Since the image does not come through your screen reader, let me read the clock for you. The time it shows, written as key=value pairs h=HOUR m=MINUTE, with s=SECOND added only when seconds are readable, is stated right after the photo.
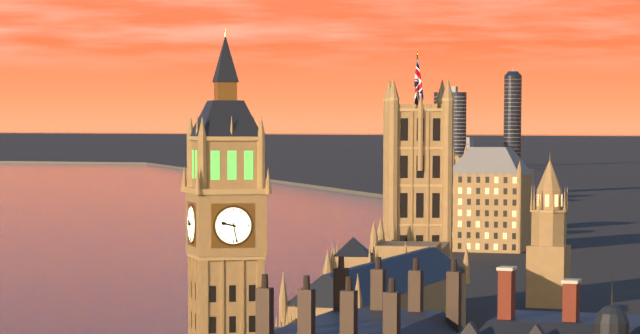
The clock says h=9 m=28
